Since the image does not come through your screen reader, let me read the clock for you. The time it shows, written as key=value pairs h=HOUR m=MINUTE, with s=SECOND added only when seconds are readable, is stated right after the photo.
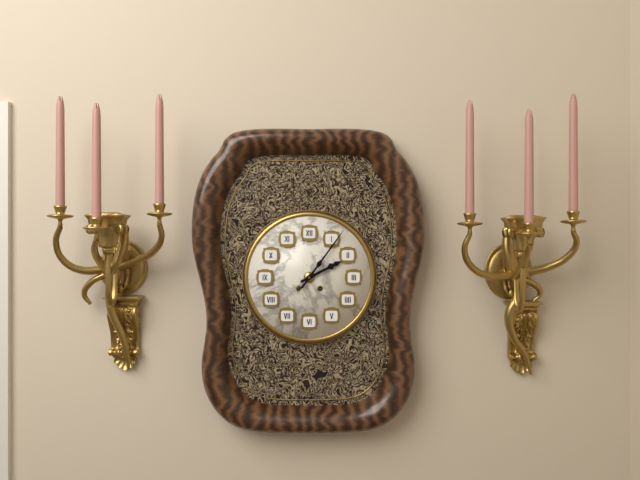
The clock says h=2 m=6
